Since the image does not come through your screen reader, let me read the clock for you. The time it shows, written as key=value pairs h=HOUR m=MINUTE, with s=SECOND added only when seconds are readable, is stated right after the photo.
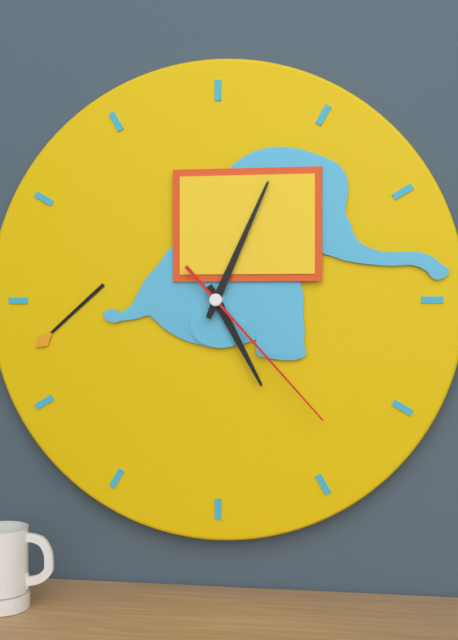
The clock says h=5 m=4 s=23
